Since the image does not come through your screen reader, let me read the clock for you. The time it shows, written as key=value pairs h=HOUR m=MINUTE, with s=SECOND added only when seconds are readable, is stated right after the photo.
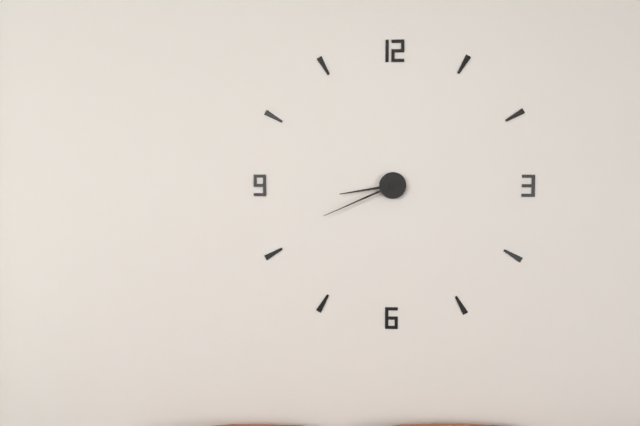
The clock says h=8 m=41
